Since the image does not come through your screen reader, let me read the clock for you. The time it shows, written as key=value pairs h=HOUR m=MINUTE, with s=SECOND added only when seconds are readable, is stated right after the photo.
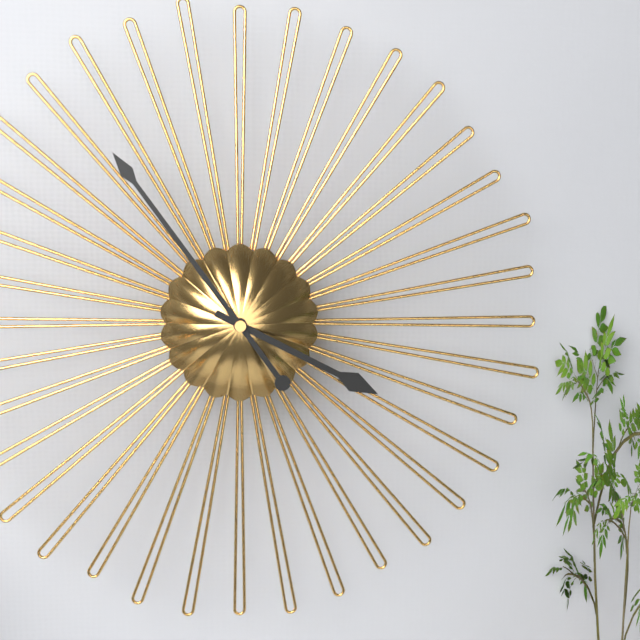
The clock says h=3 m=54
